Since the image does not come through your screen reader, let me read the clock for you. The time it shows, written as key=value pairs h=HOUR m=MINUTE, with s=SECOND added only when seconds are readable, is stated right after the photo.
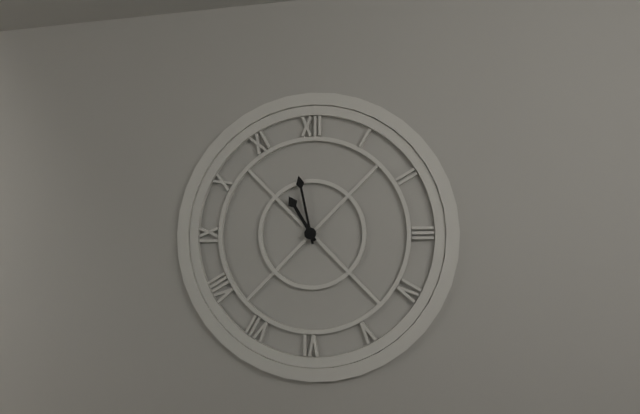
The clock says h=10 m=58
